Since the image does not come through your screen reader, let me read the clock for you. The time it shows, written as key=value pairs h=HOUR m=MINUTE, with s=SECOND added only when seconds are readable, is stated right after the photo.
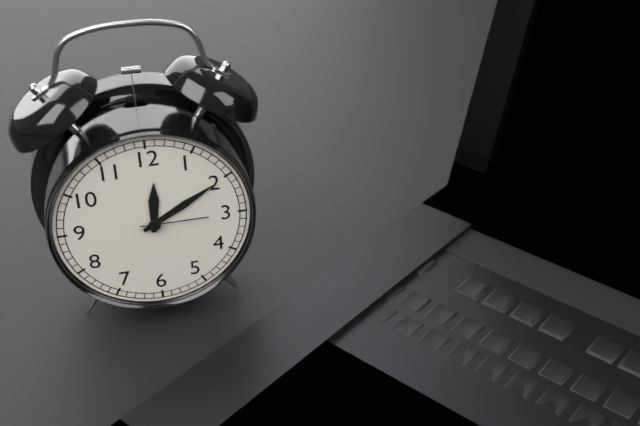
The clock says h=12 m=10 s=15
